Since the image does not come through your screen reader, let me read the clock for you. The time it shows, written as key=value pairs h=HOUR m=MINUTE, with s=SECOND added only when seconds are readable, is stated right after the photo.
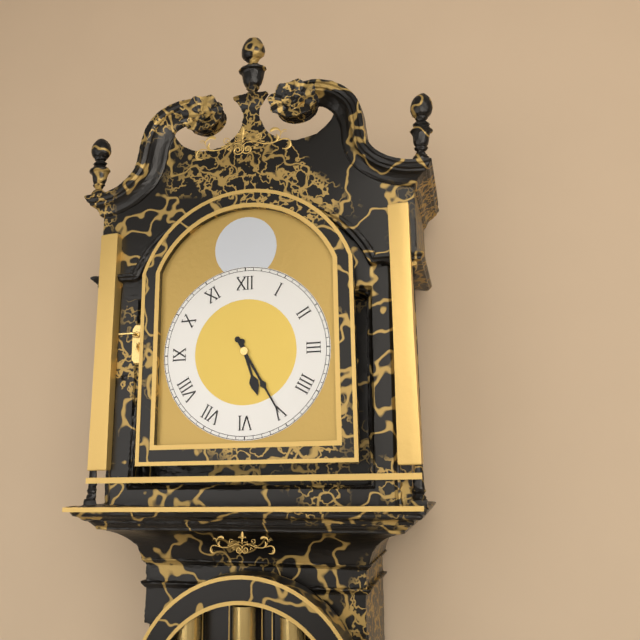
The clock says h=5 m=25
